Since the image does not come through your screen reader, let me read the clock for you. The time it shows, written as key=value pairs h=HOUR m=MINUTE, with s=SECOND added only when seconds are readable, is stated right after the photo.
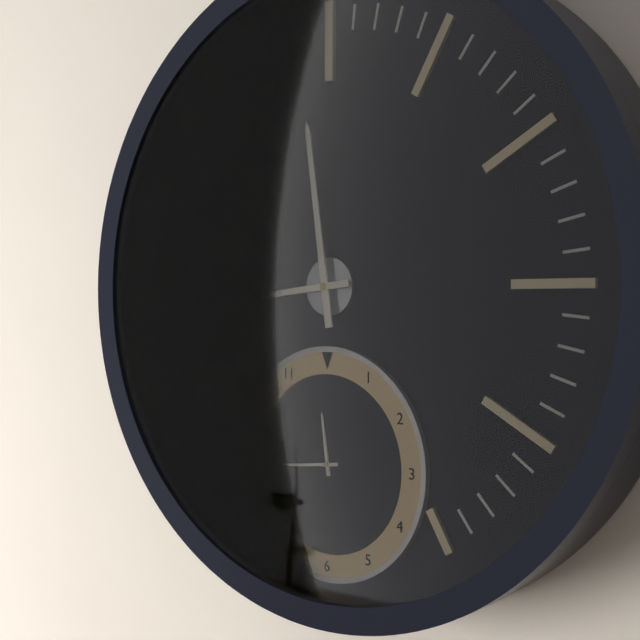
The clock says h=11 m=44
